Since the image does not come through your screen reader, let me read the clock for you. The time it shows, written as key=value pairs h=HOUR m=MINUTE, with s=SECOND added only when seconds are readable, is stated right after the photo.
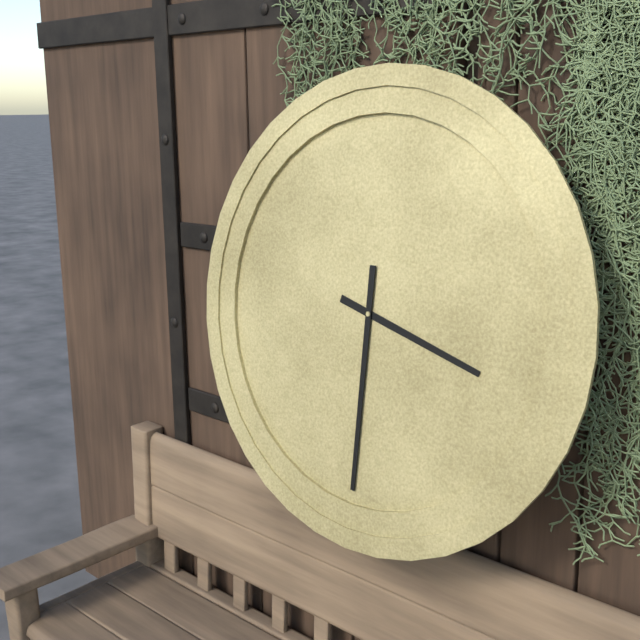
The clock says h=3 m=30
